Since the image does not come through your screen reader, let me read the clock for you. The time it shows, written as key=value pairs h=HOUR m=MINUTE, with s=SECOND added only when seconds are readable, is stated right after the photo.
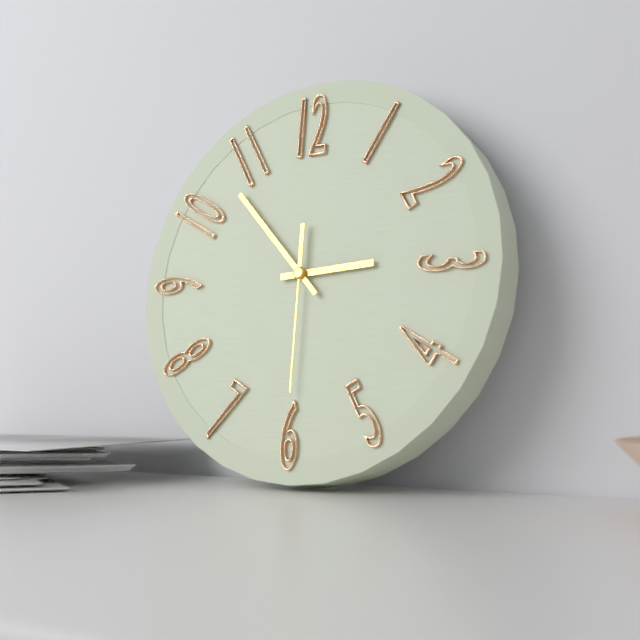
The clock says h=2 m=53 s=30
